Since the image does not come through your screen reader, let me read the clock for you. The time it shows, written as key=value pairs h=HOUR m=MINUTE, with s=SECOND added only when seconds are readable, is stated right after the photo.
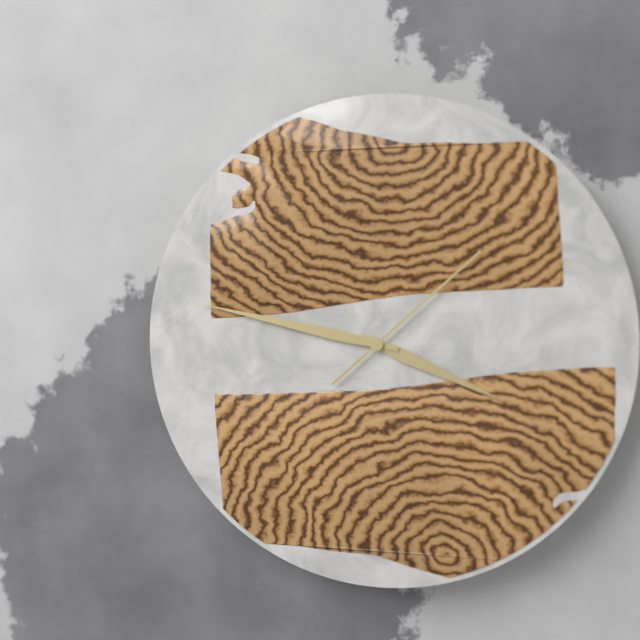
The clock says h=3 m=47 s=8
